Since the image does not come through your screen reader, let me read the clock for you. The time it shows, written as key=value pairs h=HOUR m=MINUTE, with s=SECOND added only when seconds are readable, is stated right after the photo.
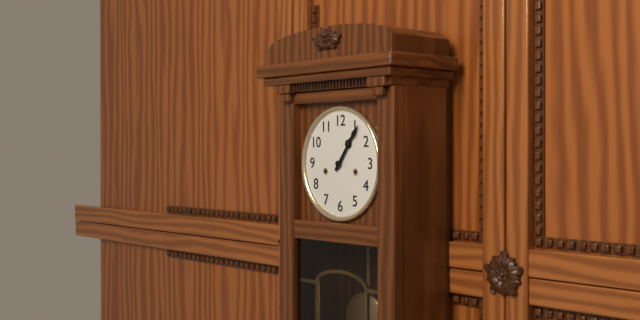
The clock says h=1 m=6
